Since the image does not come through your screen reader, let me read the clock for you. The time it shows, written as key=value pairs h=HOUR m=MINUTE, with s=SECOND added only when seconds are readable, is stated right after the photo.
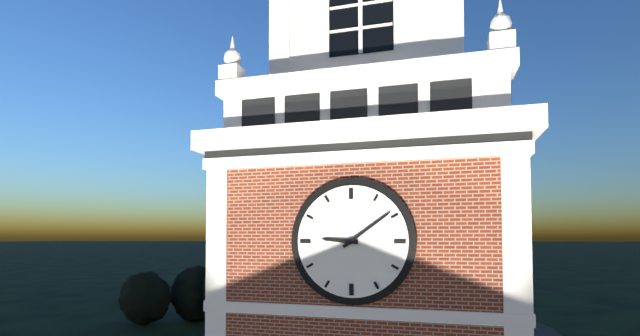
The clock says h=9 m=9
